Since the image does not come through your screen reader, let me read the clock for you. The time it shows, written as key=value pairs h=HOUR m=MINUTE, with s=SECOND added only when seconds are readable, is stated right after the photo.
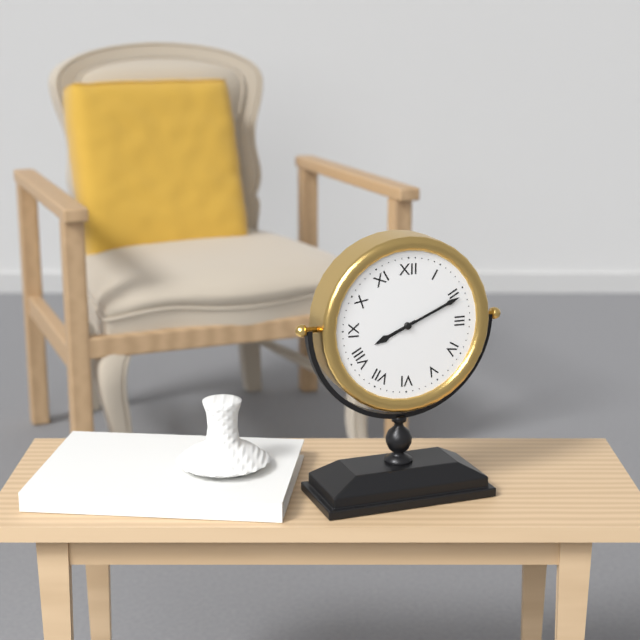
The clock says h=8 m=11
